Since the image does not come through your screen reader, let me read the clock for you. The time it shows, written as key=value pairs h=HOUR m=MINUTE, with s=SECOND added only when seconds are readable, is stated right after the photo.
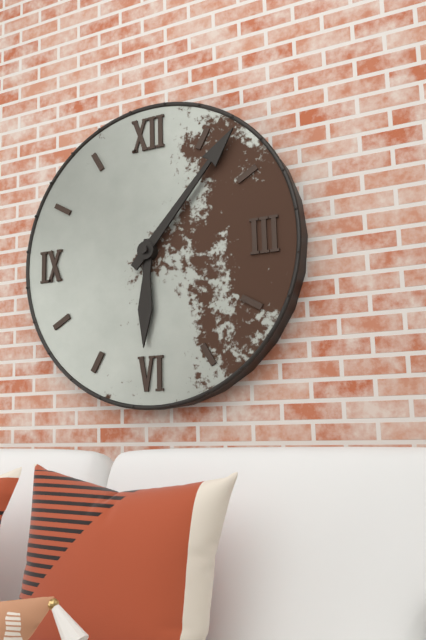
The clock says h=6 m=7
